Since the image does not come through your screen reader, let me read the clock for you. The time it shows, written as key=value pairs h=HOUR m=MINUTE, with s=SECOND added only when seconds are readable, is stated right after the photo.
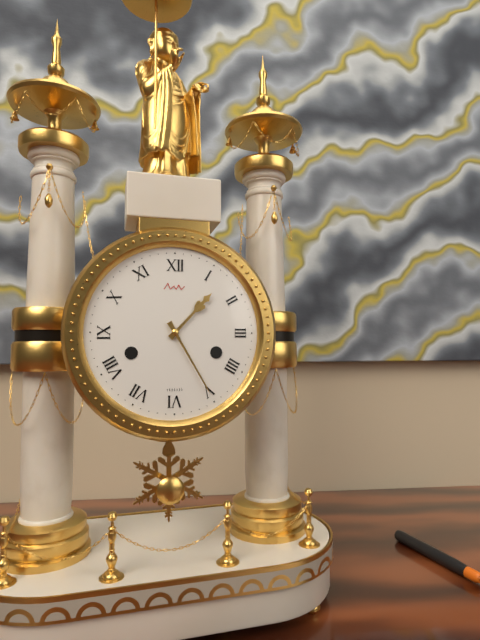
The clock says h=1 m=25
